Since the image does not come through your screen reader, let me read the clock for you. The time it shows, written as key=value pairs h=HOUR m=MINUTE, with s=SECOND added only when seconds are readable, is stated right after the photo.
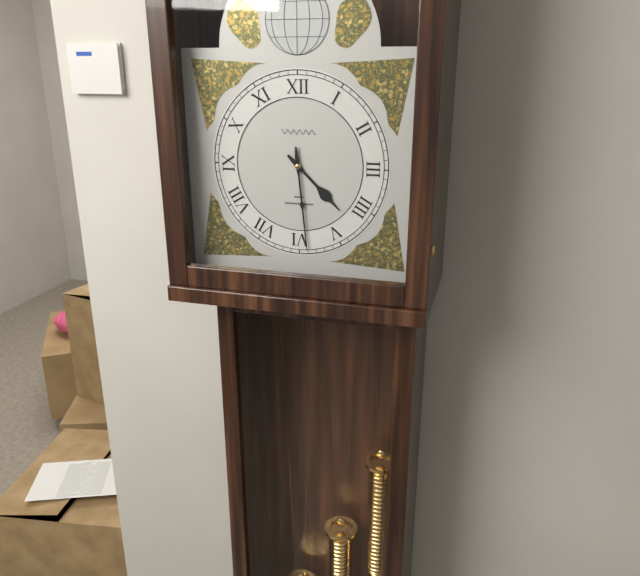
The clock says h=4 m=29
